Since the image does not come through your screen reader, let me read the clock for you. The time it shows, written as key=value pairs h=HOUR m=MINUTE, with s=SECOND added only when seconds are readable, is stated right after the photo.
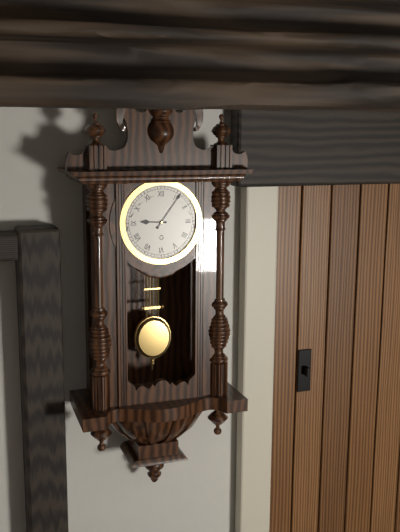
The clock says h=9 m=6
